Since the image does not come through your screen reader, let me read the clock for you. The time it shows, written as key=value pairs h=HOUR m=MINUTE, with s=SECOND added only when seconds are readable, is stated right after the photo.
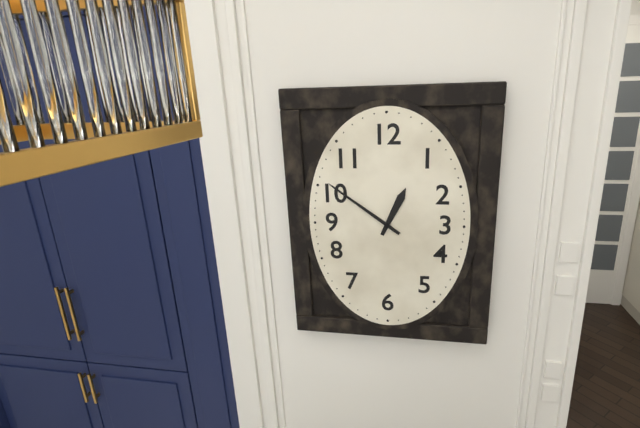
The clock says h=12 m=51
